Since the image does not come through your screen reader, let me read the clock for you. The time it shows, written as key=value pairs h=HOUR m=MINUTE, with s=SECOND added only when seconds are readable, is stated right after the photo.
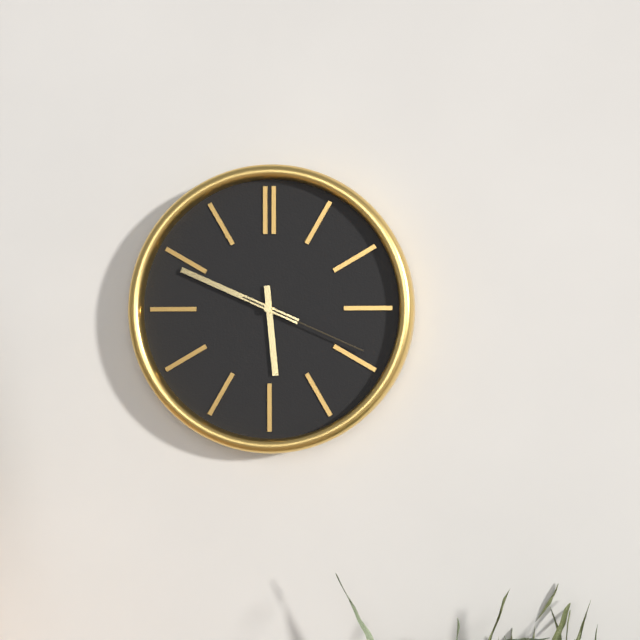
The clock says h=5 m=49 s=19
